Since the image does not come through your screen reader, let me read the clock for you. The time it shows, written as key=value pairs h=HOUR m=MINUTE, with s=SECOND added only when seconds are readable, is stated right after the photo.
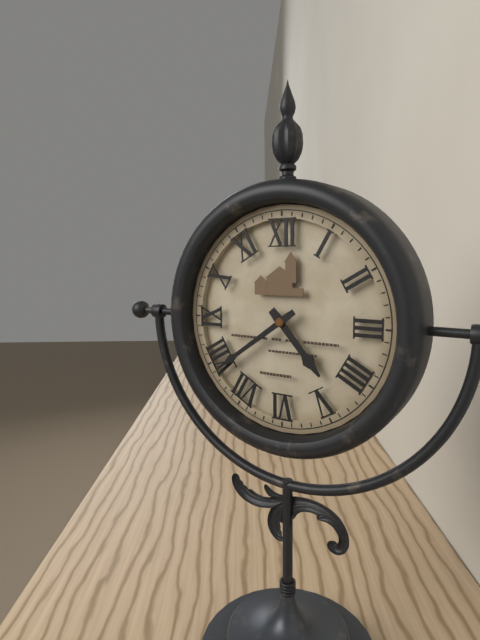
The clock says h=4 m=39
